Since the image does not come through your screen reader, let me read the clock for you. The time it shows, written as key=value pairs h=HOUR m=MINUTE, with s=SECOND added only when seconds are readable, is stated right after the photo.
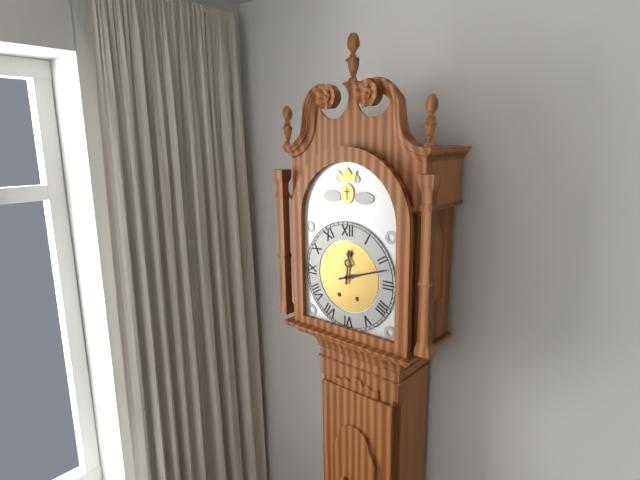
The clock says h=12 m=12
